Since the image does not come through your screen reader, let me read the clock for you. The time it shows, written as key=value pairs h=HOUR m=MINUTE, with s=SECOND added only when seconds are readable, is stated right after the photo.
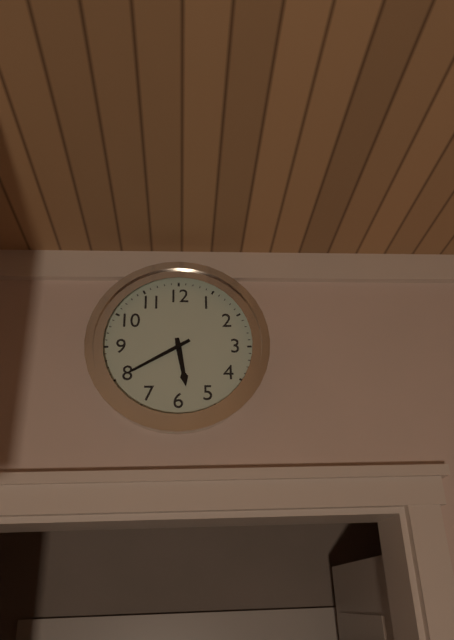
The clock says h=5 m=40
